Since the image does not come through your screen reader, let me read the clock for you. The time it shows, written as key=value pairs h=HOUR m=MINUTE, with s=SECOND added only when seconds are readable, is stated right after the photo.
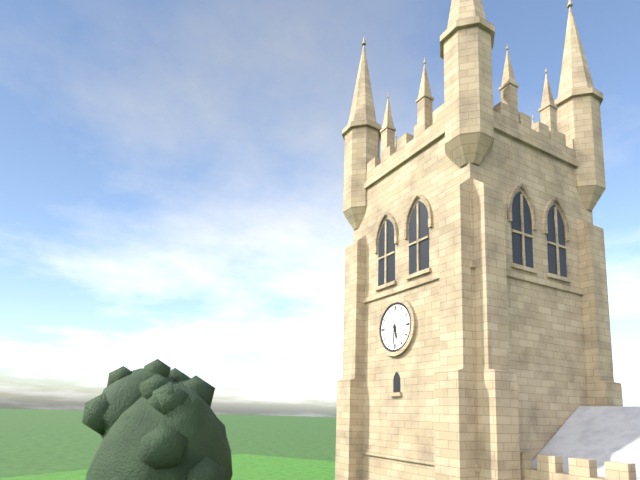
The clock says h=5 m=31
